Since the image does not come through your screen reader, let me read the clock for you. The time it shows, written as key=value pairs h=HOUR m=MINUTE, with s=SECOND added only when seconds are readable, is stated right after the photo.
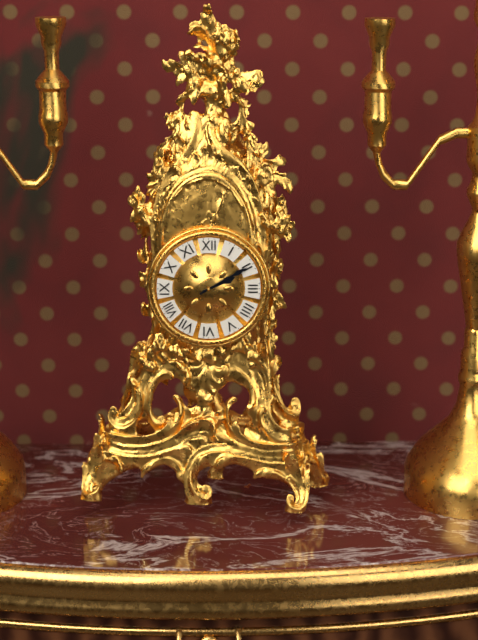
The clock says h=2 m=10
